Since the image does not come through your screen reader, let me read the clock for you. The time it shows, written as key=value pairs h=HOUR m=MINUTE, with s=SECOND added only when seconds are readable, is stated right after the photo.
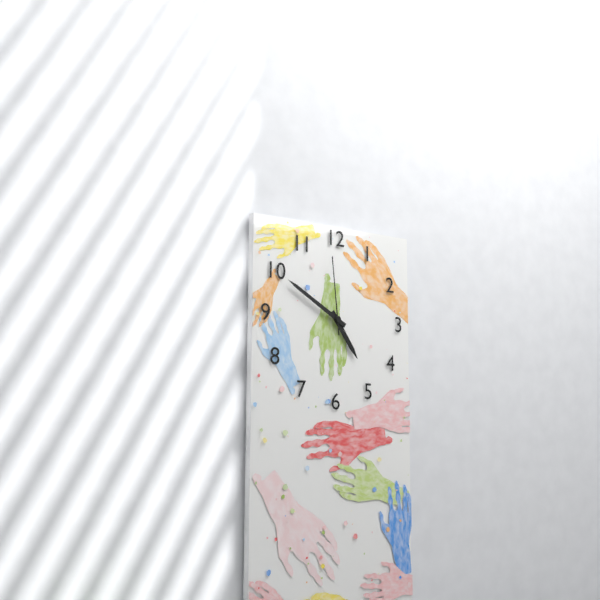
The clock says h=4 m=50 s=59
